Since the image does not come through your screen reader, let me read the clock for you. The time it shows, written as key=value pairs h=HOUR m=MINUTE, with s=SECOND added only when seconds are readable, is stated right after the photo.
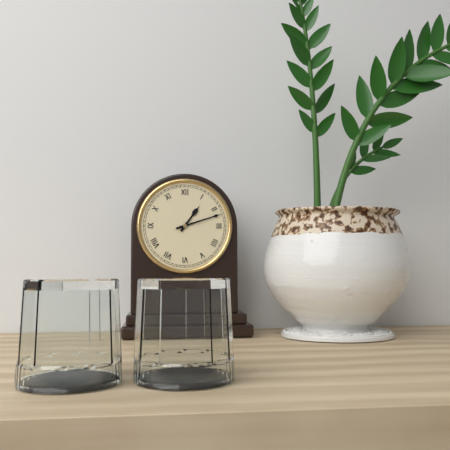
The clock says h=1 m=12
